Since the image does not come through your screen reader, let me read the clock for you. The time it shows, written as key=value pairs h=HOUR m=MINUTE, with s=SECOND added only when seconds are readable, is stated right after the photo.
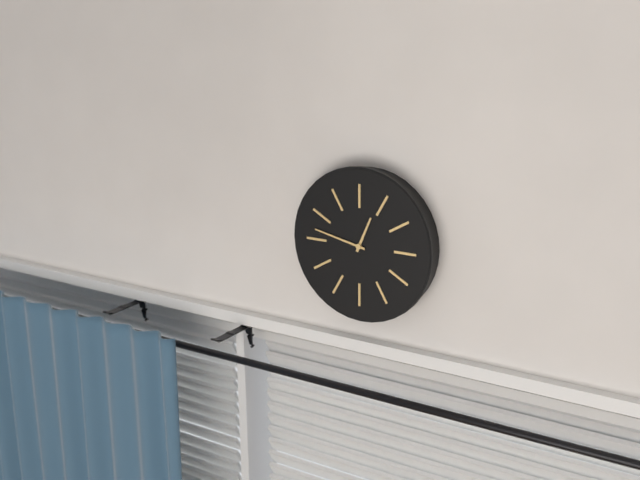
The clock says h=12 m=47
